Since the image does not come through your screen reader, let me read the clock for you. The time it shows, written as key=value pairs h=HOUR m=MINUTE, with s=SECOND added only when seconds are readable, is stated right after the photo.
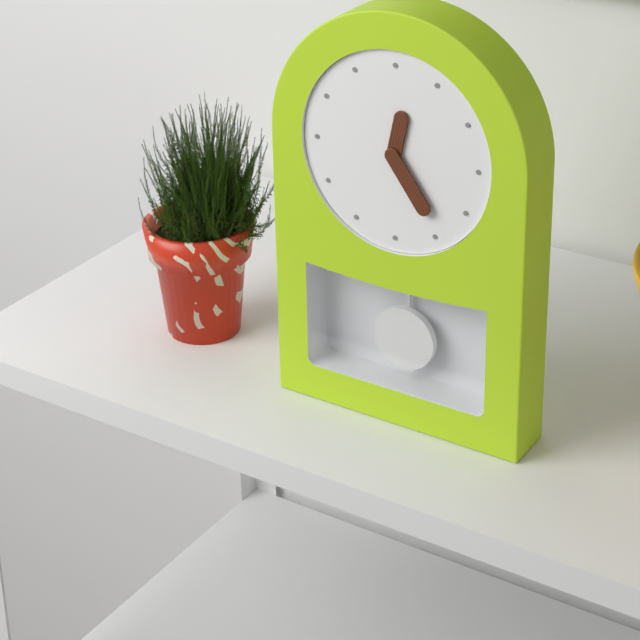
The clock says h=12 m=24
